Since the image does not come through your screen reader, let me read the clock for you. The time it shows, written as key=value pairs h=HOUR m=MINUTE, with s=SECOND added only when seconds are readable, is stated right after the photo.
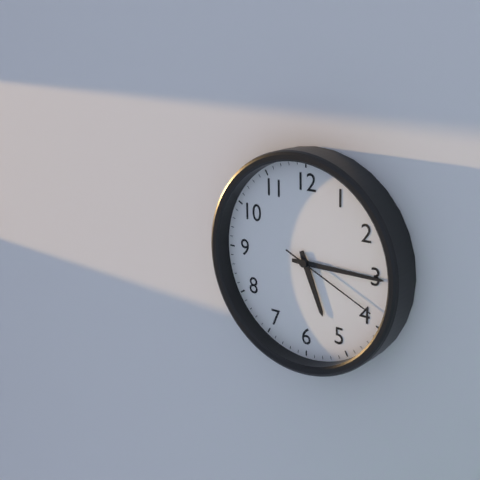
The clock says h=5 m=15 s=19
